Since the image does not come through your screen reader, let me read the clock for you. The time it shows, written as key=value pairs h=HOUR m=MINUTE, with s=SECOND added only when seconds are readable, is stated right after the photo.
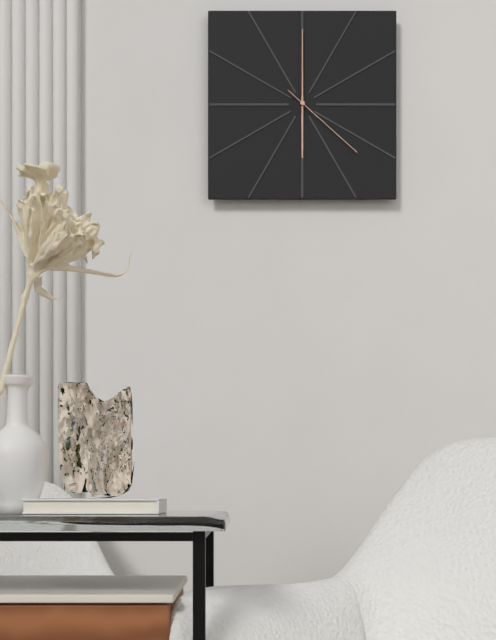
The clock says h=6 m=0 s=22
